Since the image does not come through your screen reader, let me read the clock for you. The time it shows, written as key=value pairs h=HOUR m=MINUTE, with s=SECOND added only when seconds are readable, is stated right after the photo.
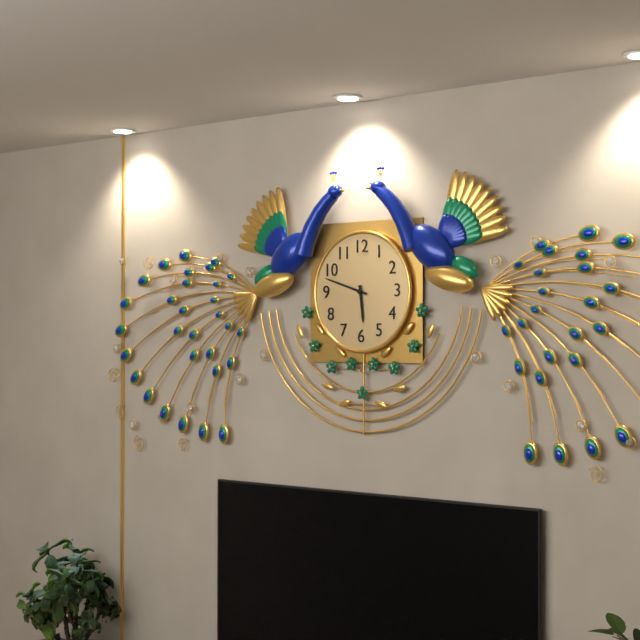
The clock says h=5 m=48
